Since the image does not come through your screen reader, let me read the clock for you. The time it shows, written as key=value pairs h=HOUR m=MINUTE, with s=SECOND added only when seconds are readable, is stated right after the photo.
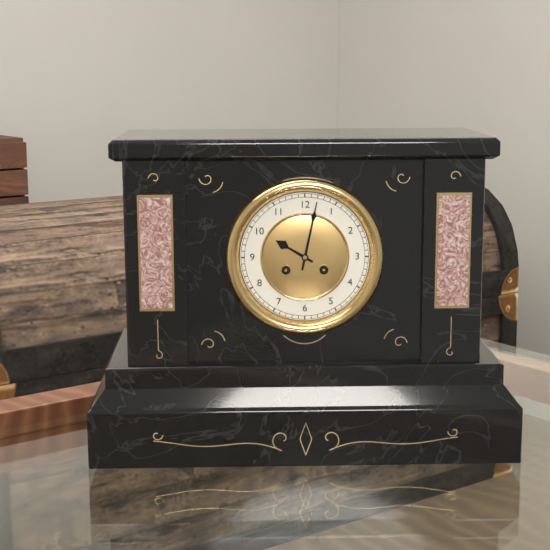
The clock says h=10 m=2
